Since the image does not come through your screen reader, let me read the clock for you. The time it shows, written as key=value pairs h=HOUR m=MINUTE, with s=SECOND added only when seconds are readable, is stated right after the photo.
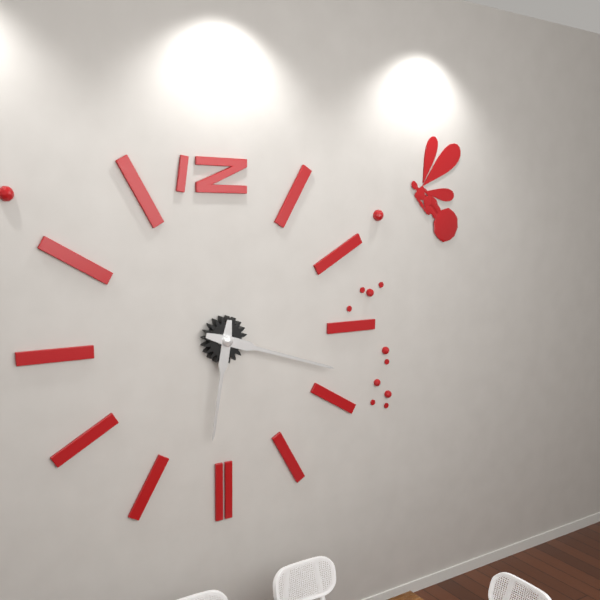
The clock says h=6 m=18
